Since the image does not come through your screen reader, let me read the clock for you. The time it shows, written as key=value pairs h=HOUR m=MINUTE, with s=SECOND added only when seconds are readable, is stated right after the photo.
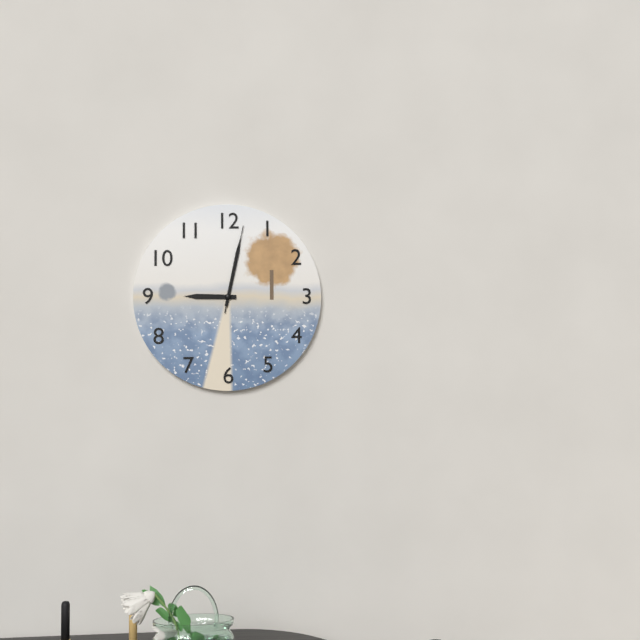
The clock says h=9 m=2 s=2
